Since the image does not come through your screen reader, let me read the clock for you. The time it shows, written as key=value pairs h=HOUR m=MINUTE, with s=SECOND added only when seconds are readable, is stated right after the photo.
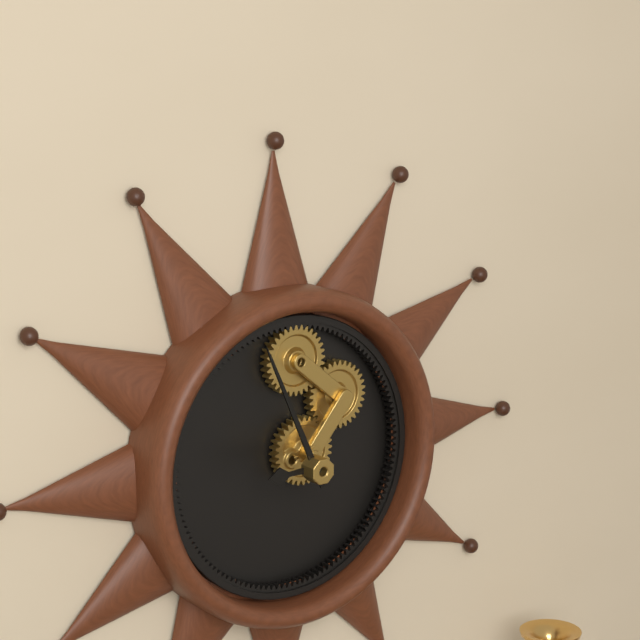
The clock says h=8 m=56
